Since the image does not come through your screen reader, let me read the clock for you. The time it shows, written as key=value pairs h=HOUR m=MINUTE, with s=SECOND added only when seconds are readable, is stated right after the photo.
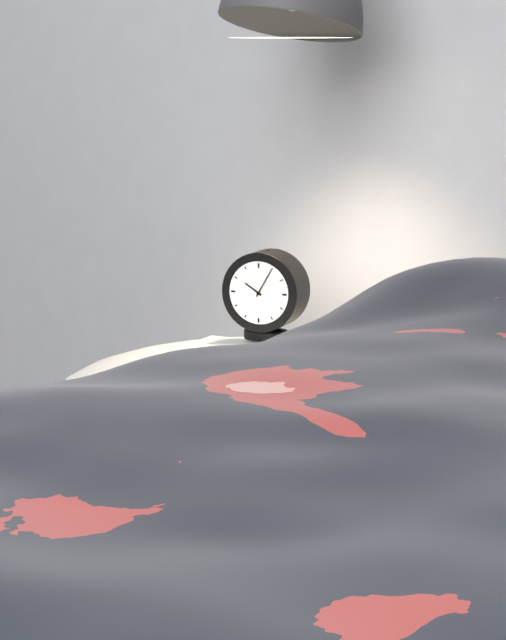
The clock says h=10 m=5
